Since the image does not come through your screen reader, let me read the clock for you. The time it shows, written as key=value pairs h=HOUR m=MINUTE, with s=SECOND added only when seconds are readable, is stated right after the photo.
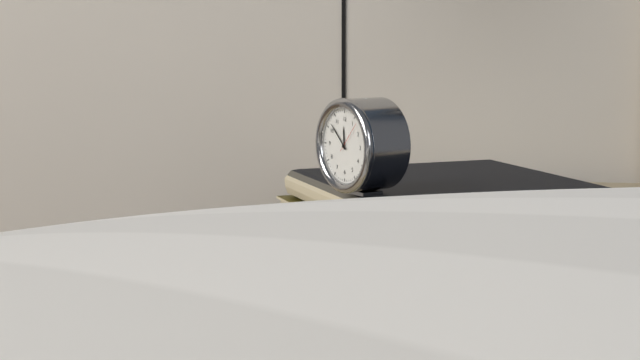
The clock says h=11 m=52
